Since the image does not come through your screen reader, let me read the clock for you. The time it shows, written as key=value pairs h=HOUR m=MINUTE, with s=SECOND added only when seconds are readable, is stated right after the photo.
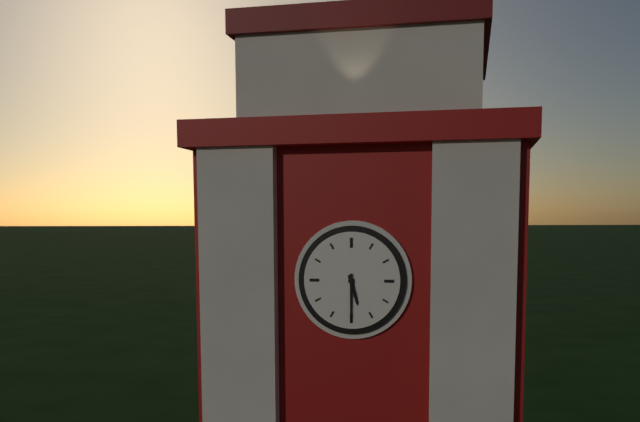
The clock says h=5 m=30
